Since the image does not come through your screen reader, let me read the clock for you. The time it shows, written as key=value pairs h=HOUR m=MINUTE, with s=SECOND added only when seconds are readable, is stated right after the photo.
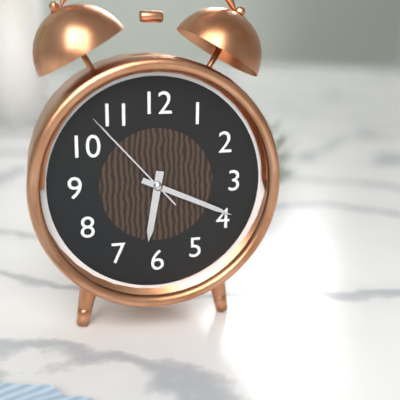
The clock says h=6 m=19 s=53
